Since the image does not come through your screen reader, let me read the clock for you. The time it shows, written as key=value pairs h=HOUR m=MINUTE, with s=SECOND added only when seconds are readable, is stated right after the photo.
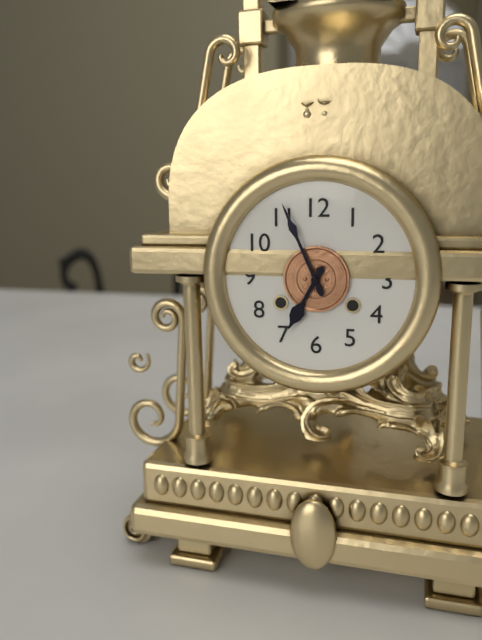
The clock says h=6 m=56
